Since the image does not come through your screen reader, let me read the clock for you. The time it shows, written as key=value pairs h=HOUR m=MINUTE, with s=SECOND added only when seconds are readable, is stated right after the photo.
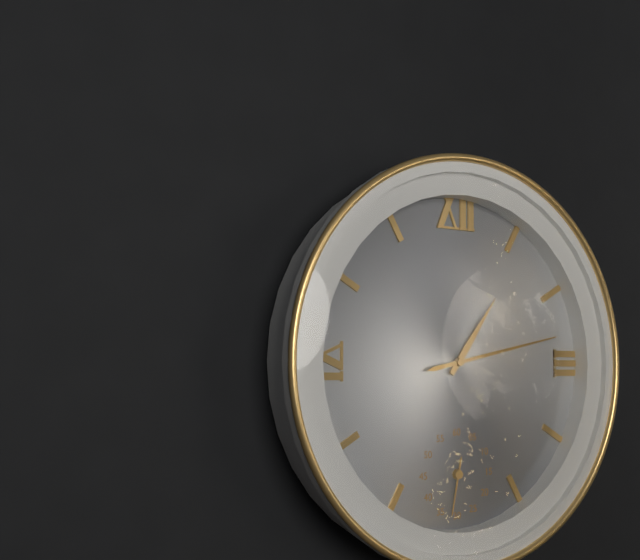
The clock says h=1 m=13 s=32
